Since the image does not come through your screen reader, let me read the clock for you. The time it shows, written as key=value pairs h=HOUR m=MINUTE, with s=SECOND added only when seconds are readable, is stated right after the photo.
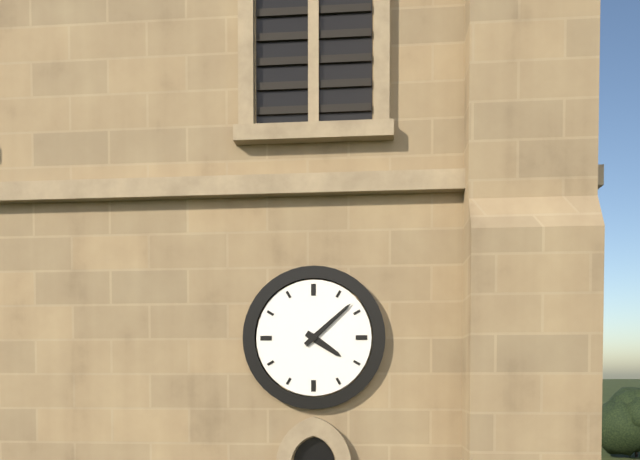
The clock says h=4 m=8
